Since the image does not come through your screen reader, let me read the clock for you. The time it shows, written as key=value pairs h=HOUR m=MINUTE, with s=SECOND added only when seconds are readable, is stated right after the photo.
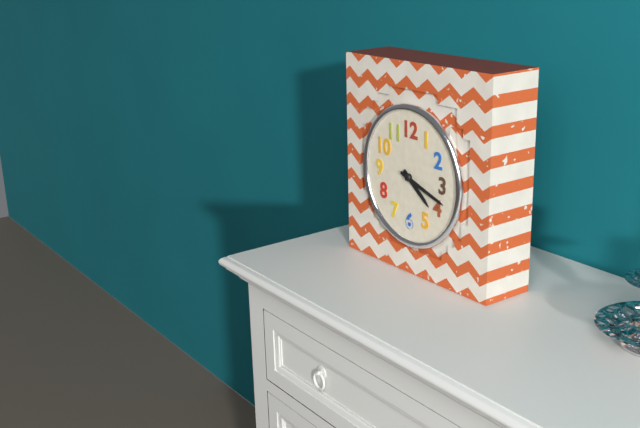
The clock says h=4 m=18
